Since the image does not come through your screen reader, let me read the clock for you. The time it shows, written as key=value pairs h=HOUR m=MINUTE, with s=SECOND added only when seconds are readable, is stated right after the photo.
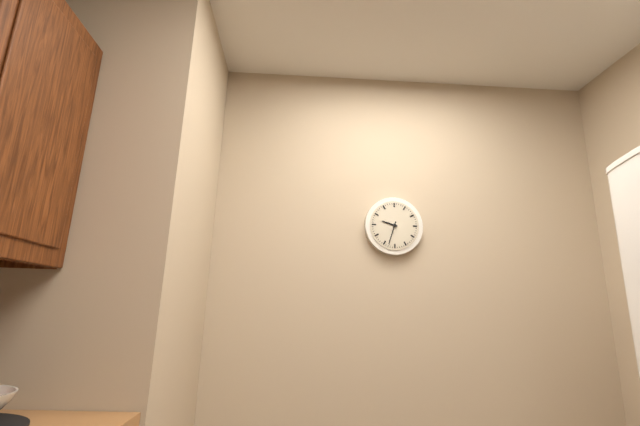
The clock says h=9 m=33
